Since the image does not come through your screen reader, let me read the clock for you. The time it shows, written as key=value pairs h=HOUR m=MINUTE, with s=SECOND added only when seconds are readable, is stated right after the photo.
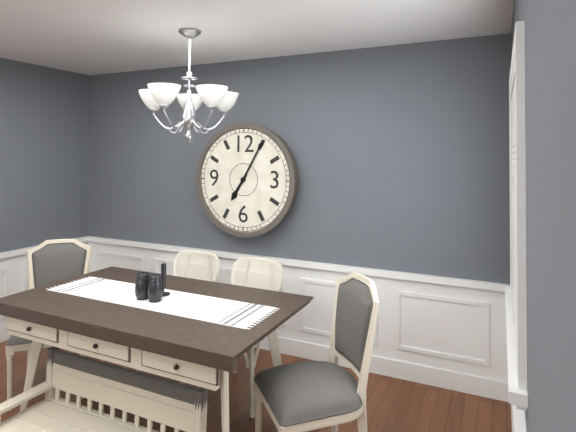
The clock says h=7 m=5
